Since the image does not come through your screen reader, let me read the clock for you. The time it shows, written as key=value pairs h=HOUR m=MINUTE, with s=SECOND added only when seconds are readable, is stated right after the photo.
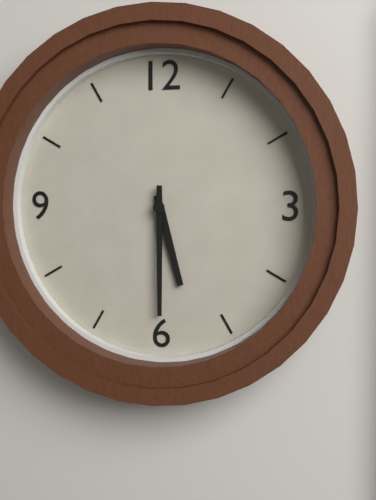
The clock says h=5 m=30
